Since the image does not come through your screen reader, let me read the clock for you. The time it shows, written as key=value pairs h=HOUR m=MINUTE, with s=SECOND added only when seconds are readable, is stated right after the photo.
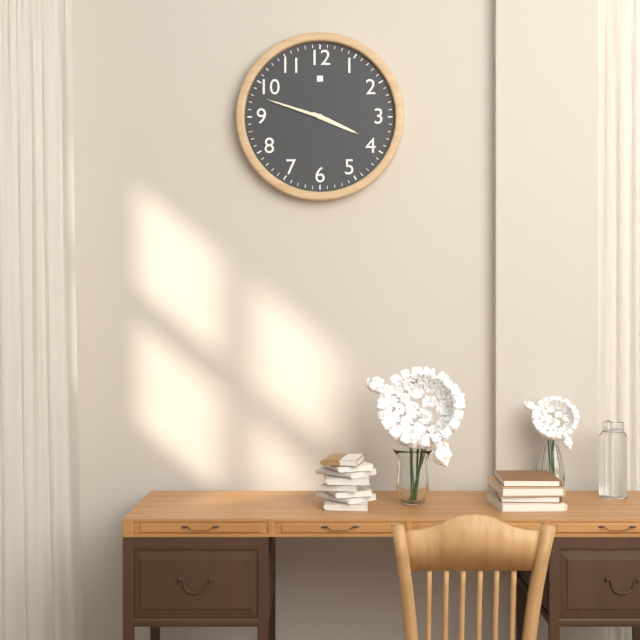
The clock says h=3 m=48
